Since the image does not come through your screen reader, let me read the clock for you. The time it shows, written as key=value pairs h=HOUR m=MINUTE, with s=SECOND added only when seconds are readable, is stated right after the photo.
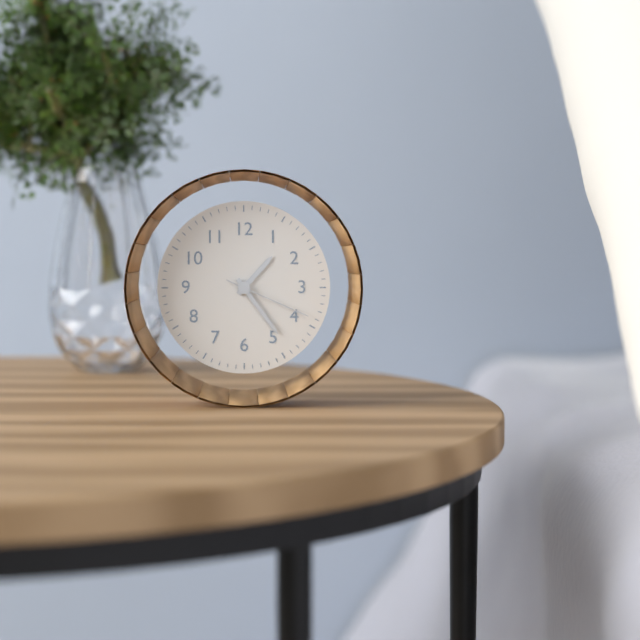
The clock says h=1 m=24 s=19
